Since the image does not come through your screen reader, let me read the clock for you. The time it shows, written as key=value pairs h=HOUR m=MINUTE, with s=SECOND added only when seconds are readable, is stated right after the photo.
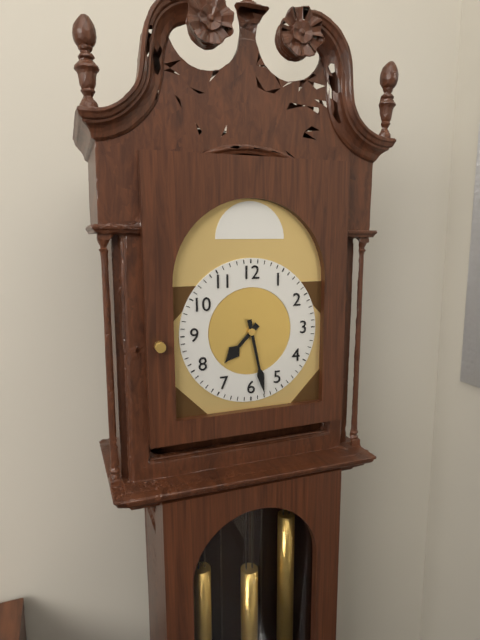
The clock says h=7 m=28
